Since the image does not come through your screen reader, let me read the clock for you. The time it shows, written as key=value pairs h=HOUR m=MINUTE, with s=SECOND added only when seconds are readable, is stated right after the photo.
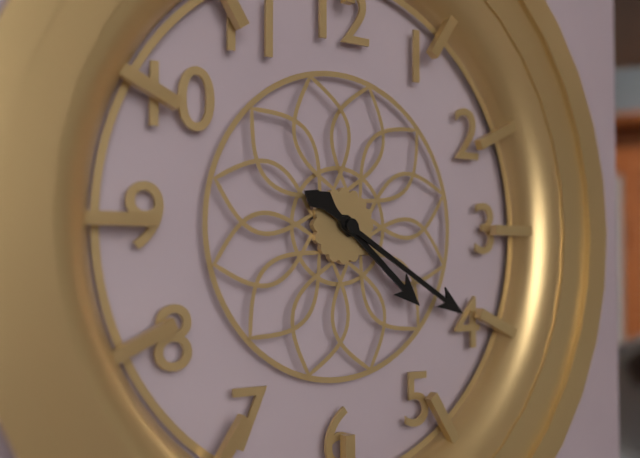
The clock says h=4 m=20
